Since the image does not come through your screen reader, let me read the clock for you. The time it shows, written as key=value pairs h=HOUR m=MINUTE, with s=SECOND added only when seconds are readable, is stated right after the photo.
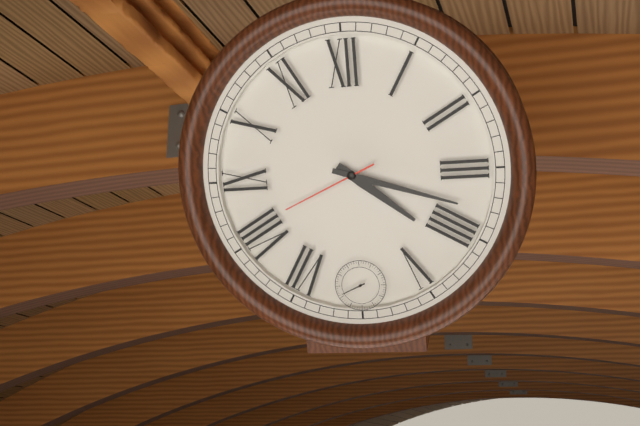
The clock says h=4 m=18 s=41
